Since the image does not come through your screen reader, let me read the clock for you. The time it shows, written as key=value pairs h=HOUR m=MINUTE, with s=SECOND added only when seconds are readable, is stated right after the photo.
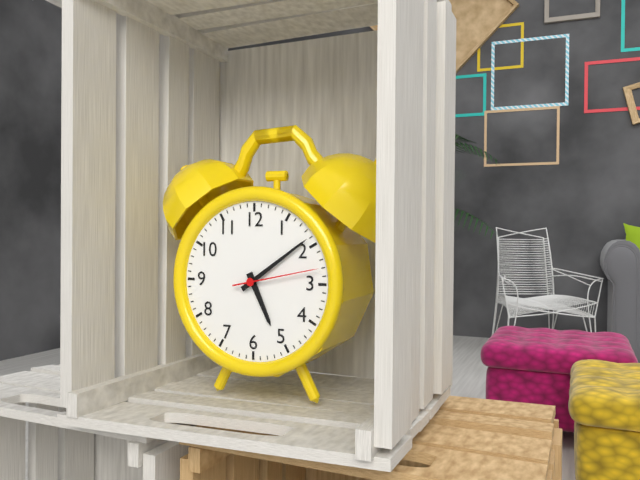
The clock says h=5 m=9 s=13
